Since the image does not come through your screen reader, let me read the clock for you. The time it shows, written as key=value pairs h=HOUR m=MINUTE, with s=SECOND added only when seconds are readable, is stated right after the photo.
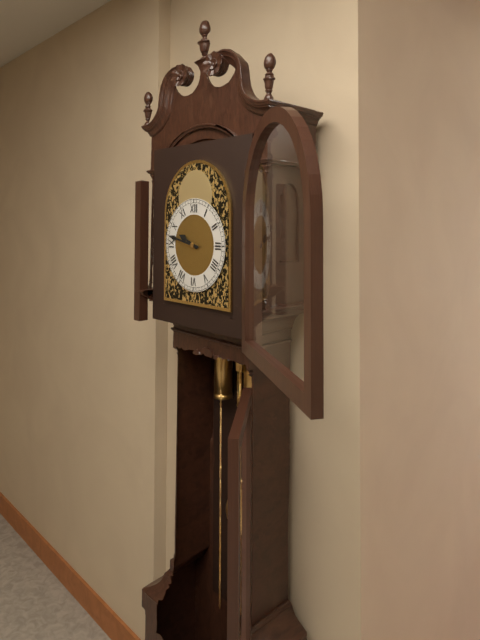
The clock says h=9 m=47
